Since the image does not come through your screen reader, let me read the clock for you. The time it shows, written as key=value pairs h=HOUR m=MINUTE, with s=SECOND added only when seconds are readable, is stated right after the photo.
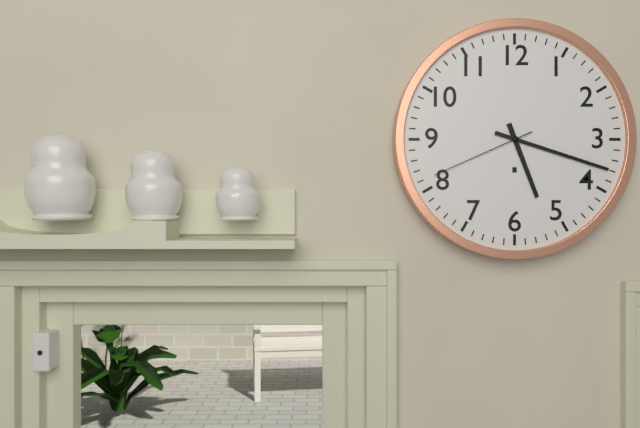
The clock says h=5 m=18 s=41
